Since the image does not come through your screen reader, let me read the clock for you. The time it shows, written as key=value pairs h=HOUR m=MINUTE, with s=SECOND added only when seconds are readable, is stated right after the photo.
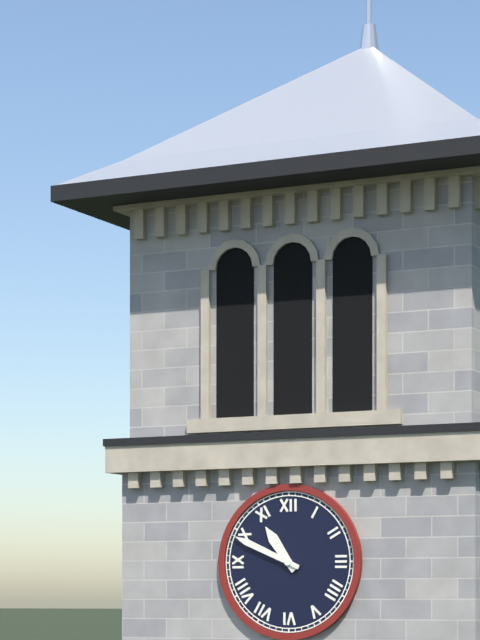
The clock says h=10 m=49
